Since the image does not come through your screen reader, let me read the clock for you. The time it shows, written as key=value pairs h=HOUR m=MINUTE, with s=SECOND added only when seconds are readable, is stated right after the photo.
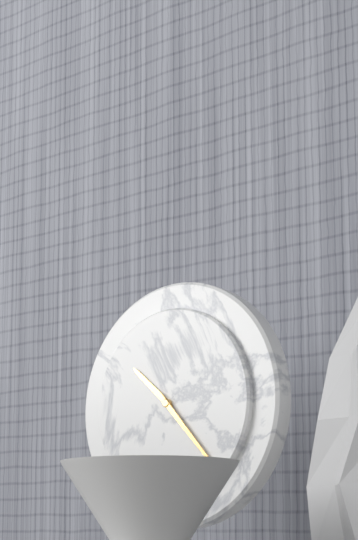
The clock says h=10 m=23
